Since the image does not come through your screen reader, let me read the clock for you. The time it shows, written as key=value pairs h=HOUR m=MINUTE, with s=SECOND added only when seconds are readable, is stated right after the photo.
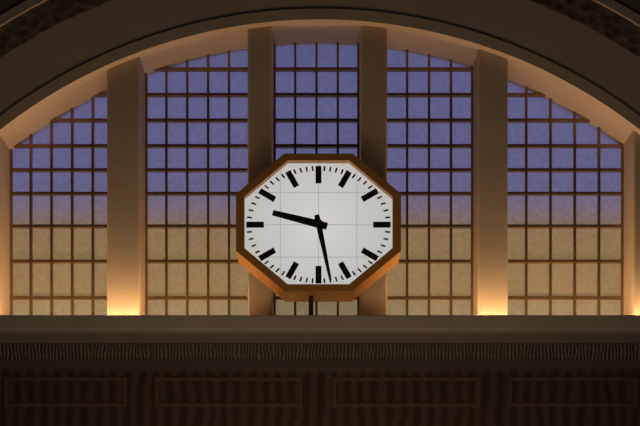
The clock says h=9 m=28
